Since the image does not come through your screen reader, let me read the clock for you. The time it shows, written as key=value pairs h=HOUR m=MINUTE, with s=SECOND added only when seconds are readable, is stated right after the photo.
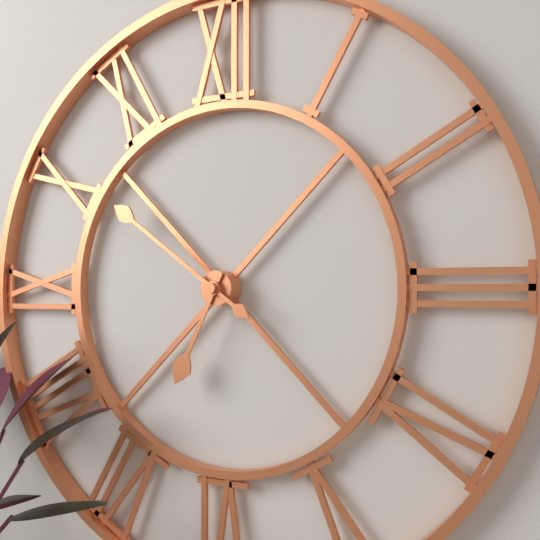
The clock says h=6 m=51
